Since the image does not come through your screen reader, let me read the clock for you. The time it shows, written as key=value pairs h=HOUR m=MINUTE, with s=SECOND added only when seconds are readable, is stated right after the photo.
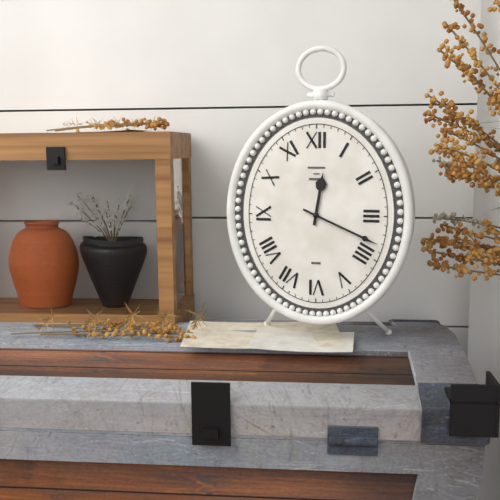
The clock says h=12 m=19
